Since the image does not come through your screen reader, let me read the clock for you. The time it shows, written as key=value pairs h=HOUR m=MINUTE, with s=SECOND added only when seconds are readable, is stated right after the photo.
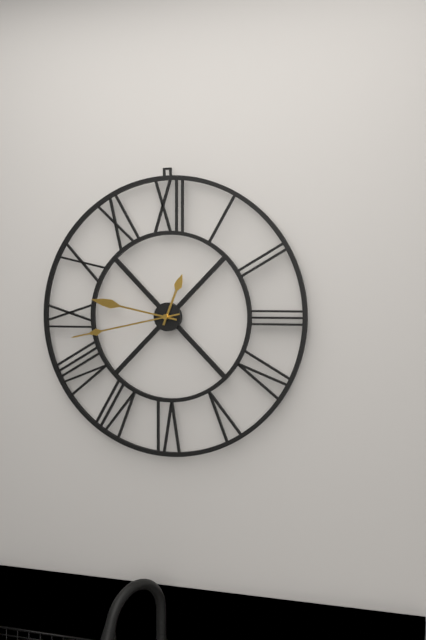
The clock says h=12 m=43 s=47
